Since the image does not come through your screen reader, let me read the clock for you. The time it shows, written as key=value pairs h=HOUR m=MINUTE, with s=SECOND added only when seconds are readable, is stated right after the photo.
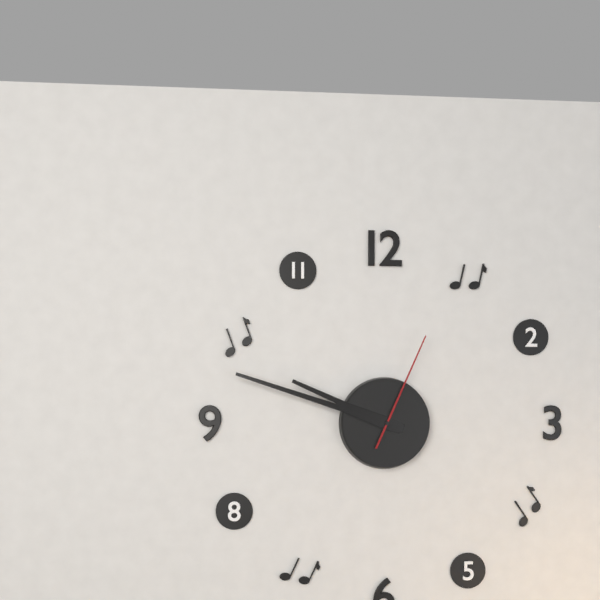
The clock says h=9 m=48 s=4
